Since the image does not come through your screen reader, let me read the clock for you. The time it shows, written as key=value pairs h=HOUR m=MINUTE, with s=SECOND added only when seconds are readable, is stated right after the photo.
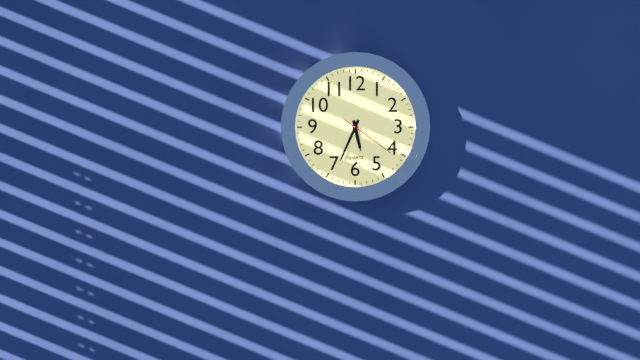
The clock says h=5 m=34 s=21
